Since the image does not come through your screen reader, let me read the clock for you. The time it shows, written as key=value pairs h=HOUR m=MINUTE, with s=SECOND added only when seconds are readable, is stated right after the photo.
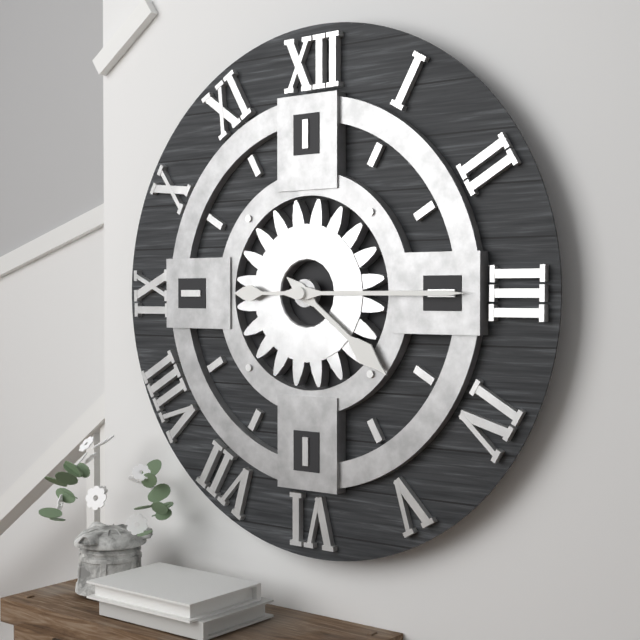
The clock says h=4 m=15
